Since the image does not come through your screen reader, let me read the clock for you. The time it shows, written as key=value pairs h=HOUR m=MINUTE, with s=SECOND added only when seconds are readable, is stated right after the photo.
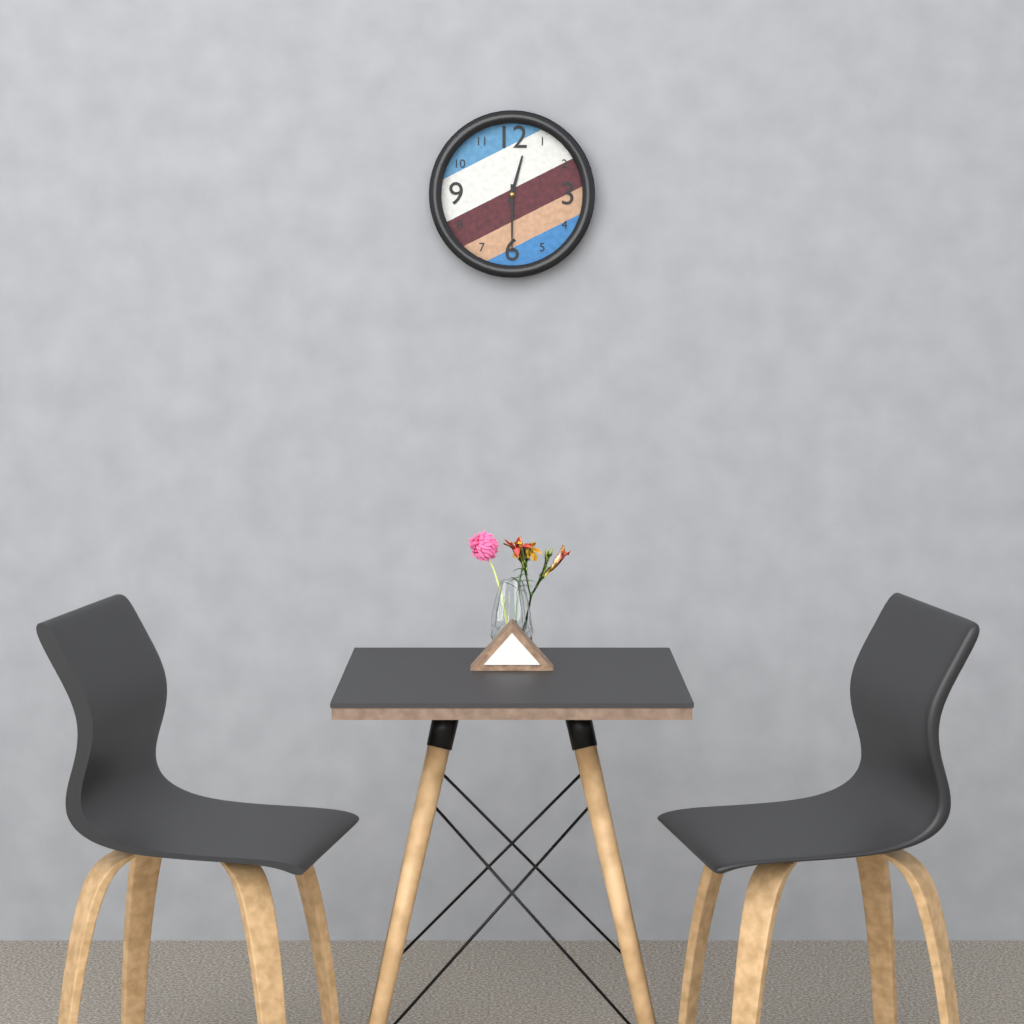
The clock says h=12 m=30
